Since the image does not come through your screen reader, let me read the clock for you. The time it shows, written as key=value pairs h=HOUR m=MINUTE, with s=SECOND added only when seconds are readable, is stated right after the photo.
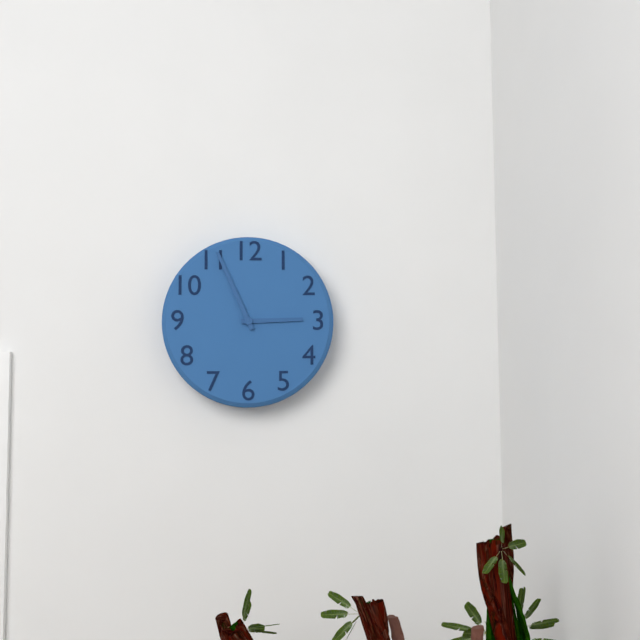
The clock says h=2 m=56
